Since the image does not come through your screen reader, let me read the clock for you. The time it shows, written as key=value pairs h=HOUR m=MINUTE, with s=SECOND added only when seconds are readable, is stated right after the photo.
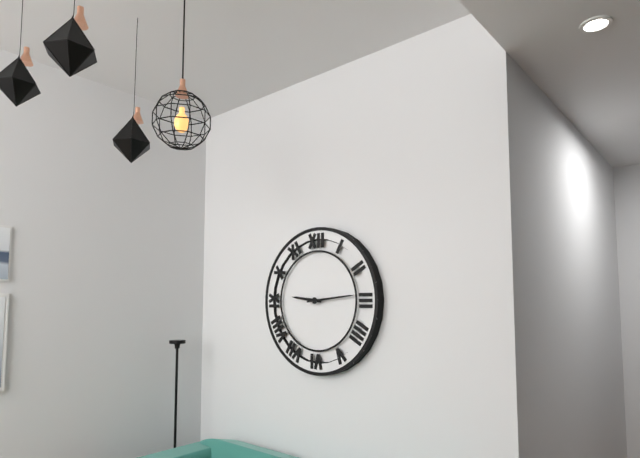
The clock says h=9 m=14
